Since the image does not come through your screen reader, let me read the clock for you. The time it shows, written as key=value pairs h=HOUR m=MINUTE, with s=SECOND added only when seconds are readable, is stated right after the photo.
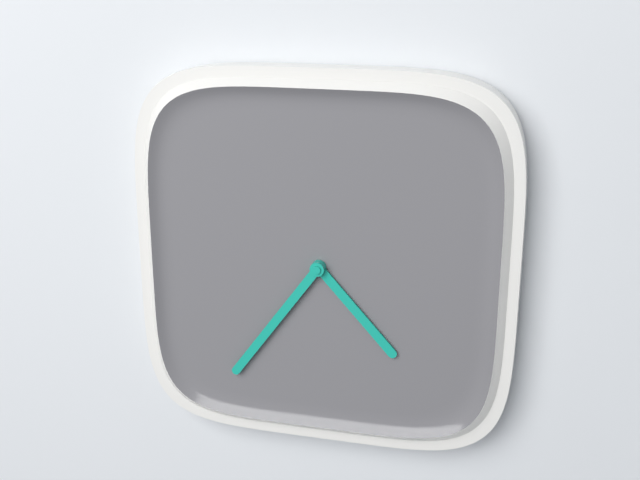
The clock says h=4 m=36
